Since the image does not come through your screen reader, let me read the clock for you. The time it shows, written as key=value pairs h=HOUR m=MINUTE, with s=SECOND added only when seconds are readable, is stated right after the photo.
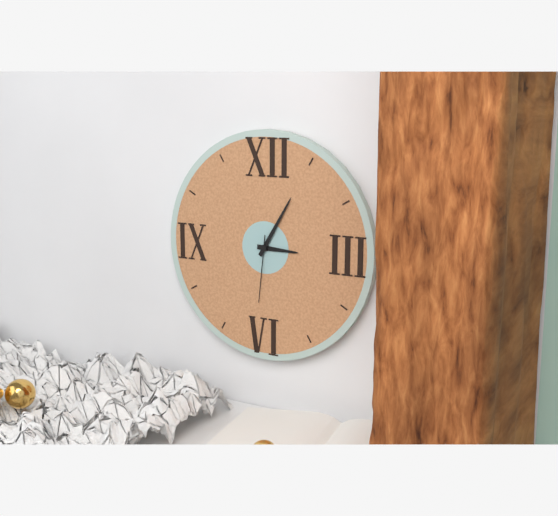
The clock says h=3 m=5 s=31
